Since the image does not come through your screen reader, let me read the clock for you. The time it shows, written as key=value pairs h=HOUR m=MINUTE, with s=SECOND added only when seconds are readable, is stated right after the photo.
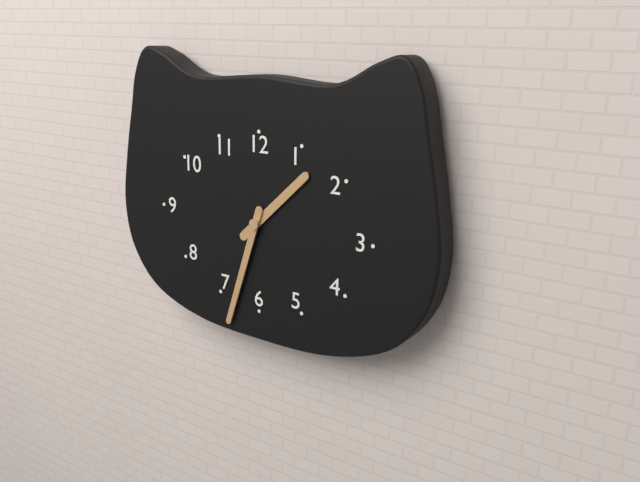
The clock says h=1 m=33
